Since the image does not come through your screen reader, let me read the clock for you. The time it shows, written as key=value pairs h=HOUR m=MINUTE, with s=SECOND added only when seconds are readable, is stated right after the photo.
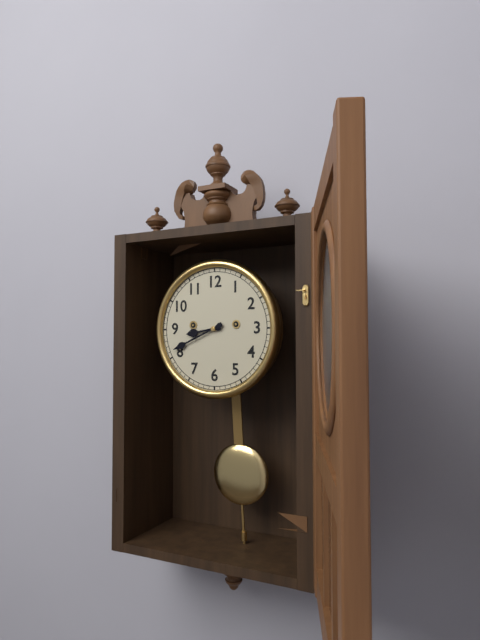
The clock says h=8 m=41
